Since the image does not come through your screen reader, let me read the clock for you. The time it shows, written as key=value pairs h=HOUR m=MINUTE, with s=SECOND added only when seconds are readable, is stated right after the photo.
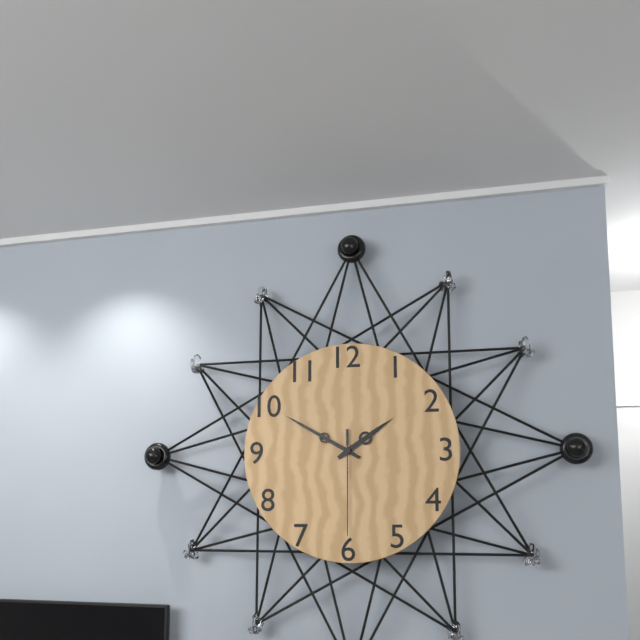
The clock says h=1 m=50 s=30
